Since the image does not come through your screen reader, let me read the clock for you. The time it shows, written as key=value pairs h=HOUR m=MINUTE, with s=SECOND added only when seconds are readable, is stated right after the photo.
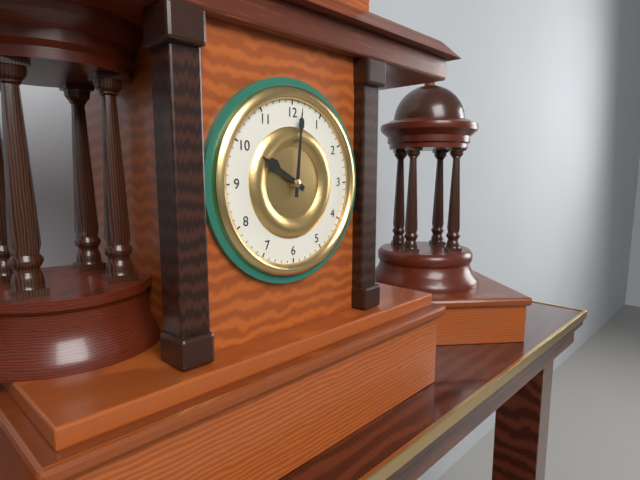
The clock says h=10 m=1
